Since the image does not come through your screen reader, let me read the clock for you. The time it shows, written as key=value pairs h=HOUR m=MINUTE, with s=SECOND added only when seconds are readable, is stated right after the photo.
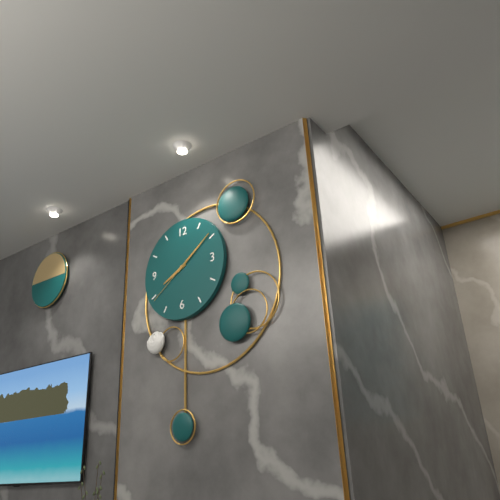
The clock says h=8 m=9 s=39
